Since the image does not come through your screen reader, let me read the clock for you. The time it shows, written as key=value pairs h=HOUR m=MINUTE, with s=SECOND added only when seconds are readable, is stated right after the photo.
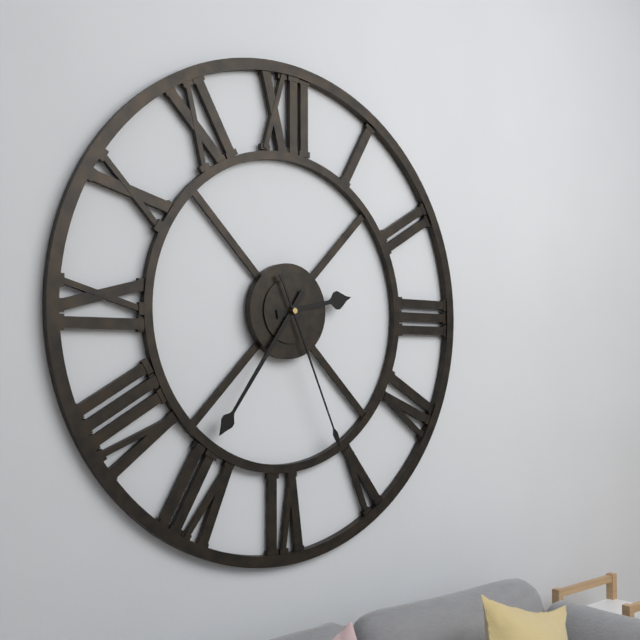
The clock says h=2 m=36 s=26
